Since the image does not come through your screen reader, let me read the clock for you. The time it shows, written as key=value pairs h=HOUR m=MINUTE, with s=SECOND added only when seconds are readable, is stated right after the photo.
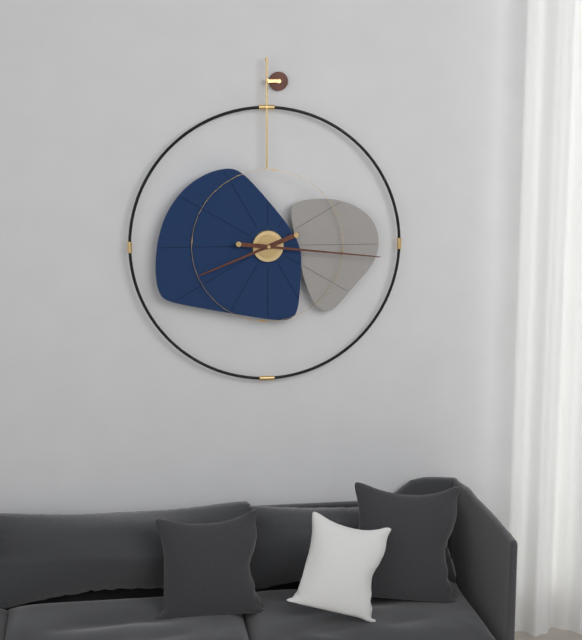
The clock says h=8 m=16
